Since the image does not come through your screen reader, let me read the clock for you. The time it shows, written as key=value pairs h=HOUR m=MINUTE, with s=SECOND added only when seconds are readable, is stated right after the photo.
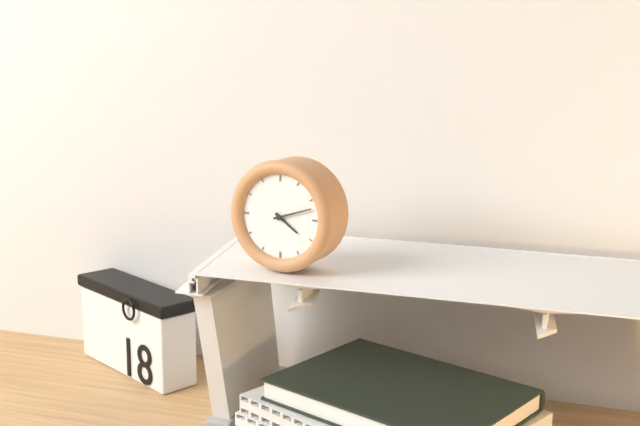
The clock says h=4 m=12
